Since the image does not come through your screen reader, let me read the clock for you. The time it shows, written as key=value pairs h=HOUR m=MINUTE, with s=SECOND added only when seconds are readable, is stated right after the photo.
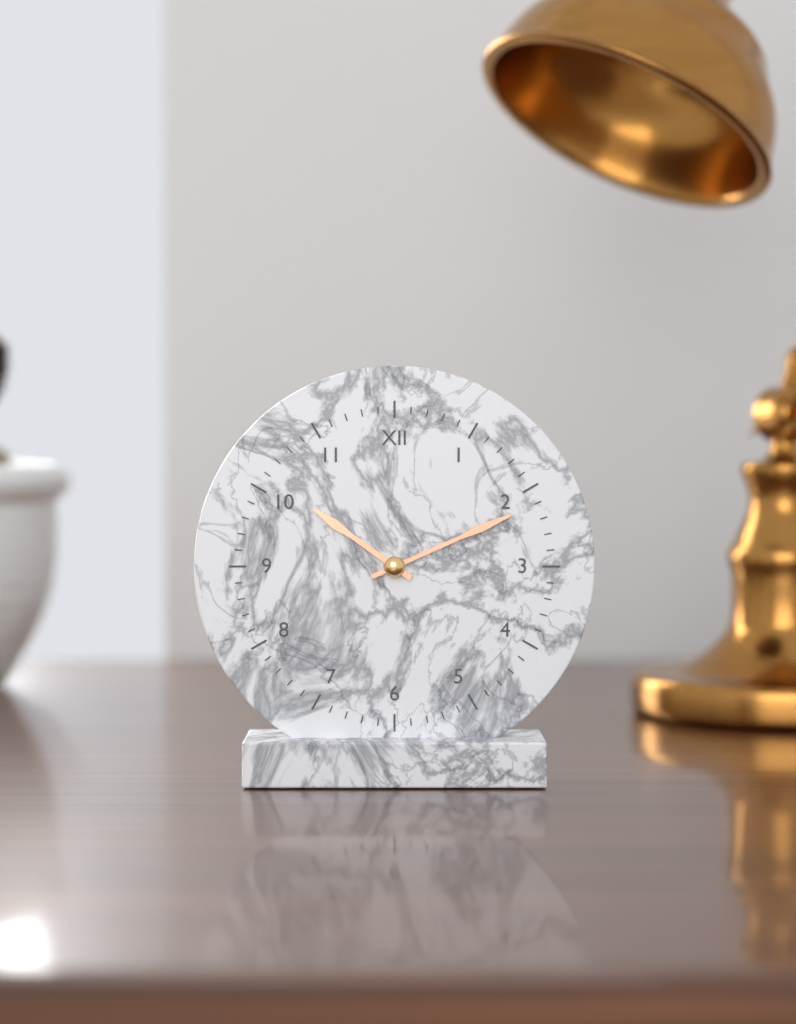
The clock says h=10 m=11
